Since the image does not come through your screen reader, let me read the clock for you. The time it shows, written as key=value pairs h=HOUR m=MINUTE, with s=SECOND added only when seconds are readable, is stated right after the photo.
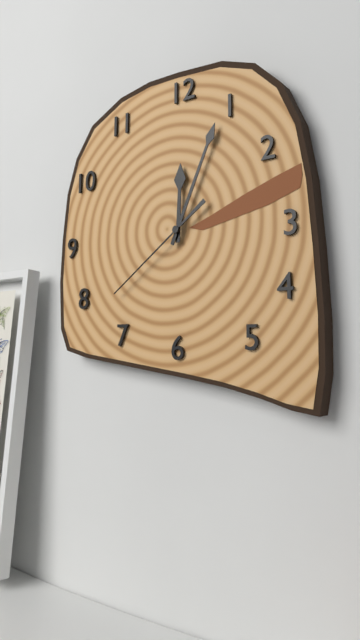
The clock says h=12 m=4 s=39
